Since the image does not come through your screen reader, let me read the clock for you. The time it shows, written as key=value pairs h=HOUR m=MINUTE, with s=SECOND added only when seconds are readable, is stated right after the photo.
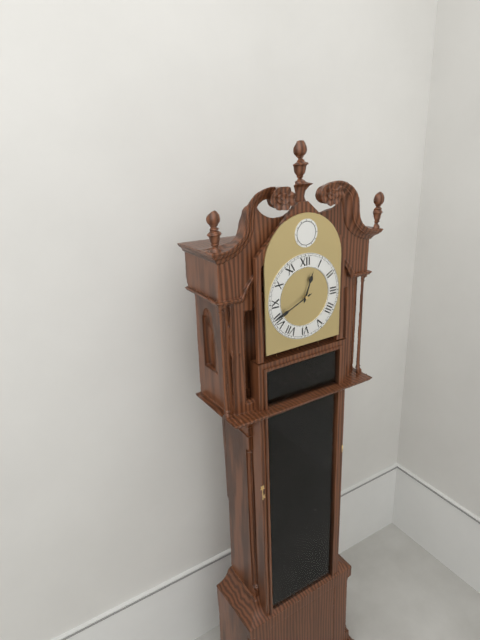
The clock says h=12 m=41
